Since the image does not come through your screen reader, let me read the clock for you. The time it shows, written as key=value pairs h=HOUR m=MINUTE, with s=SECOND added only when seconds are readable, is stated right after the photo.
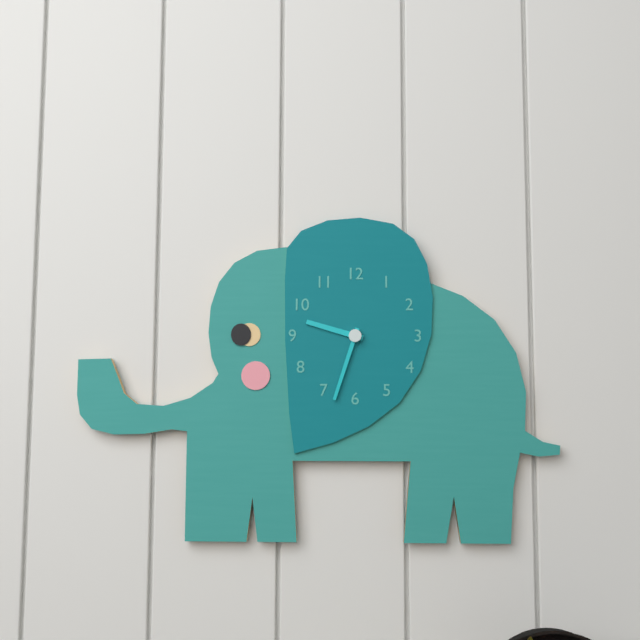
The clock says h=9 m=33
